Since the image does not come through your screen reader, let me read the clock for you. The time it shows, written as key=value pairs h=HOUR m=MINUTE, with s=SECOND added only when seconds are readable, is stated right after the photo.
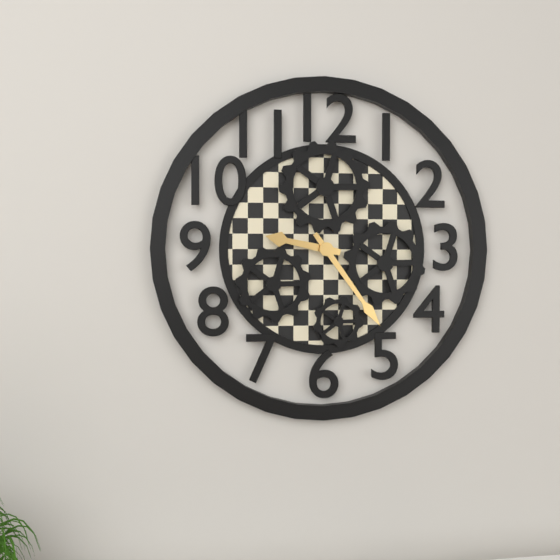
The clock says h=9 m=24
